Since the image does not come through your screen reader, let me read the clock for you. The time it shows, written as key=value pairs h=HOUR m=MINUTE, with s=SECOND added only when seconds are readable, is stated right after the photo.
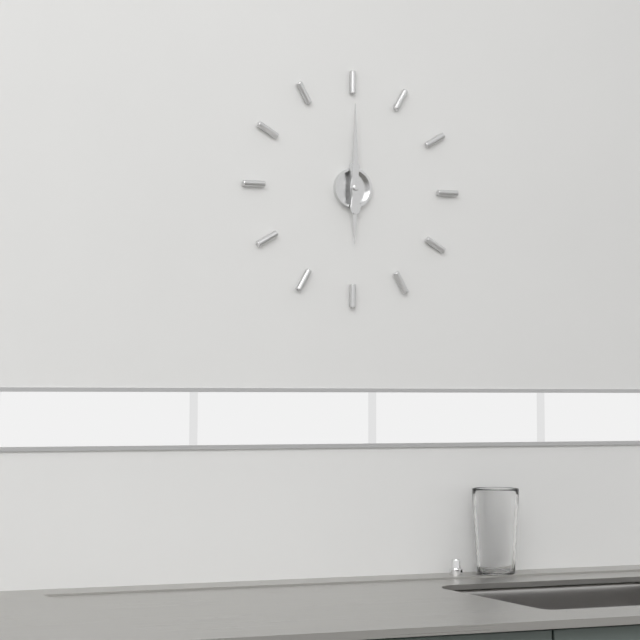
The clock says h=6 m=0
